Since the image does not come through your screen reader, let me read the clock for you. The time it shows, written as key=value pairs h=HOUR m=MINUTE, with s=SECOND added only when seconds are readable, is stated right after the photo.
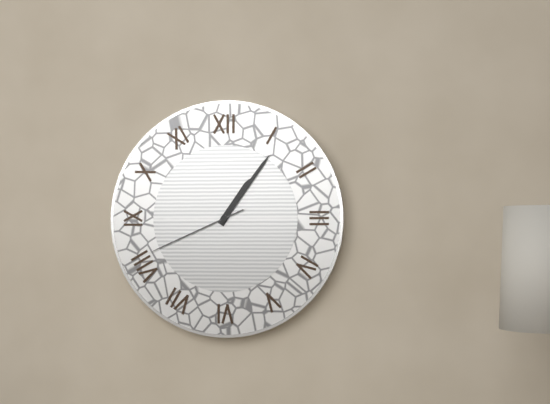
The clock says h=1 m=6 s=41
